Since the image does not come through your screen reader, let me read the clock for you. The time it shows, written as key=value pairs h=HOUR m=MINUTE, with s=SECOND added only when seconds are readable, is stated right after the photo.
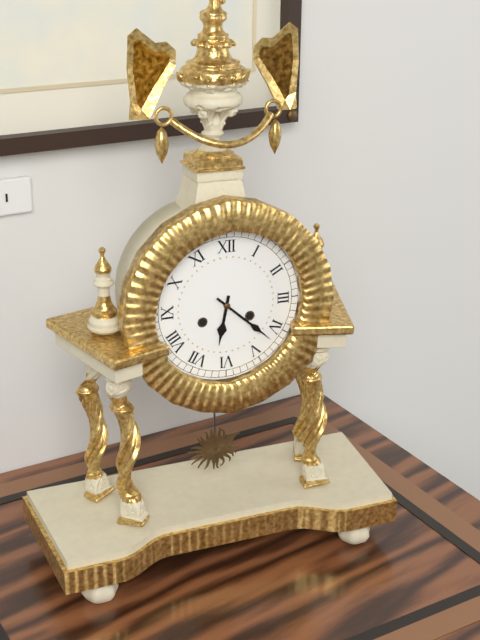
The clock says h=6 m=22
